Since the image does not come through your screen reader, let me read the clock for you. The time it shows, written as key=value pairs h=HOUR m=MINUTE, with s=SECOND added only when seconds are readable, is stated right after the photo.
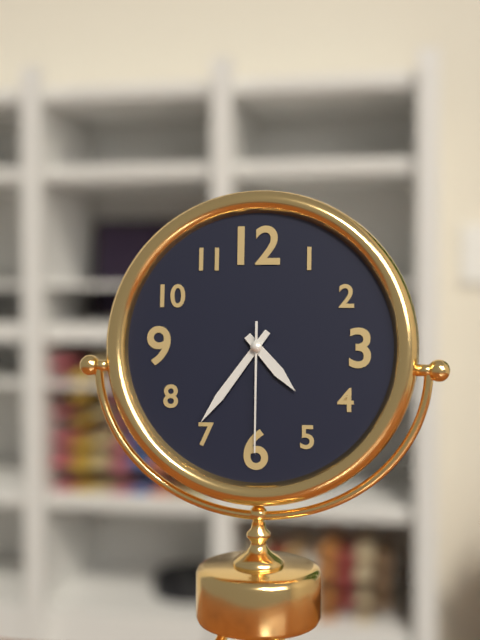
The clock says h=4 m=36 s=30
